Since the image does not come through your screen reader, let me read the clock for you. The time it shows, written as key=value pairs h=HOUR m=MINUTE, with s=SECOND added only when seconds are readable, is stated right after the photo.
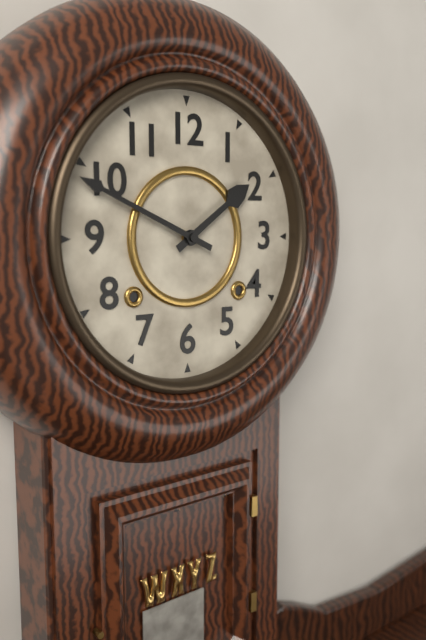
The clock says h=1 m=49
